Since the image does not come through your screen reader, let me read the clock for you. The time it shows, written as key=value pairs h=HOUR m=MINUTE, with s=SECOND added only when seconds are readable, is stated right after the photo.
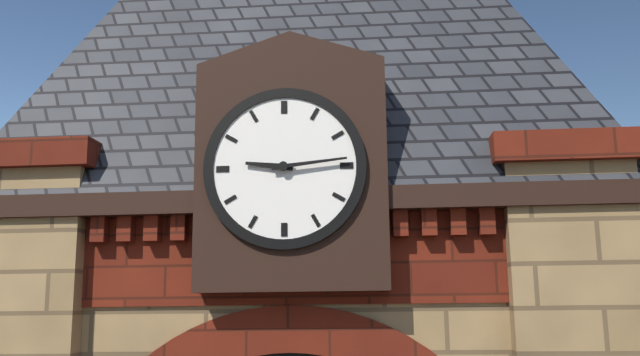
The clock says h=9 m=14
